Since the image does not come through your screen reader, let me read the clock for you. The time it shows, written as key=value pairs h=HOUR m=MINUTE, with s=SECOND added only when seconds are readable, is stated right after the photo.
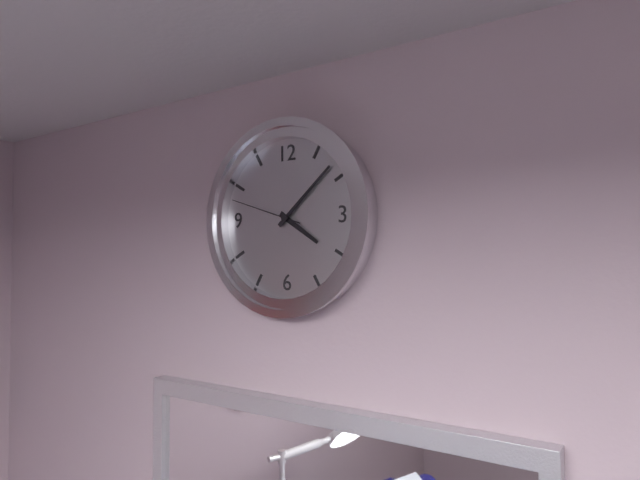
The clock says h=4 m=8 s=48
